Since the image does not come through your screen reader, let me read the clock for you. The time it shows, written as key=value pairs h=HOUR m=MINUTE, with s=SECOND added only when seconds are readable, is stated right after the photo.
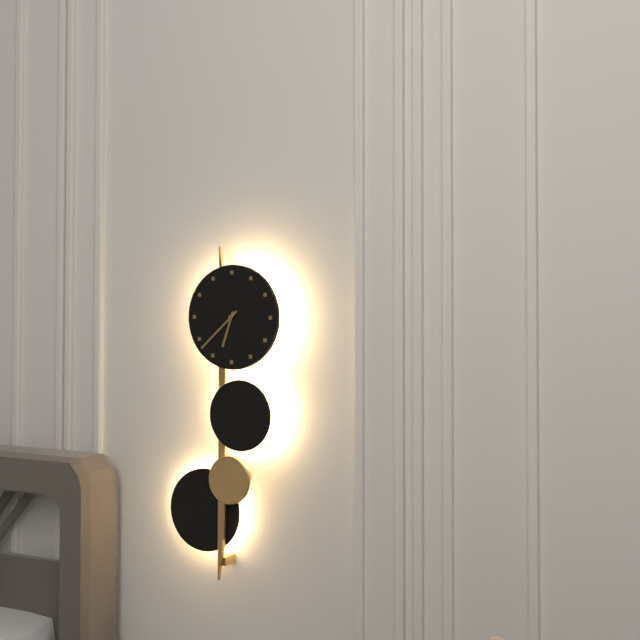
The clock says h=6 m=38
